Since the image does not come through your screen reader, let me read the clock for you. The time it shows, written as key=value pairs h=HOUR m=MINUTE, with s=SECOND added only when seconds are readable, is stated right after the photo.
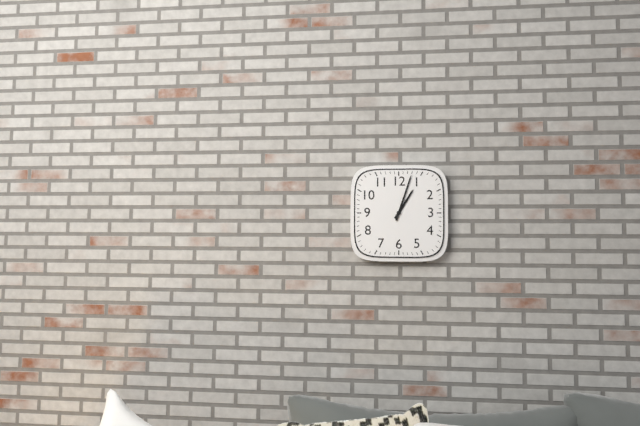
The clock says h=1 m=3
